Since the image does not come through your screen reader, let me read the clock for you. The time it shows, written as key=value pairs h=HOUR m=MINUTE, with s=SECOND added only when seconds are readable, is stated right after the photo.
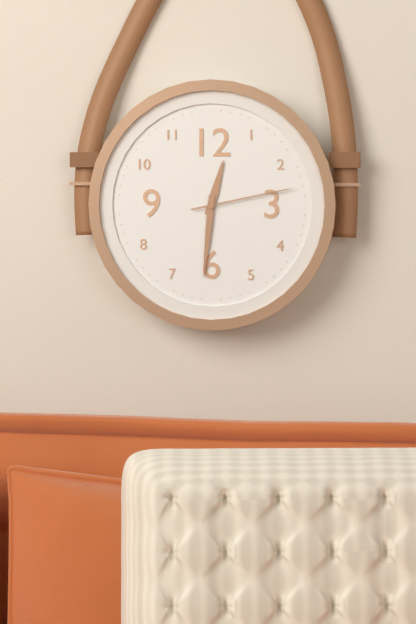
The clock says h=12 m=31 s=13
